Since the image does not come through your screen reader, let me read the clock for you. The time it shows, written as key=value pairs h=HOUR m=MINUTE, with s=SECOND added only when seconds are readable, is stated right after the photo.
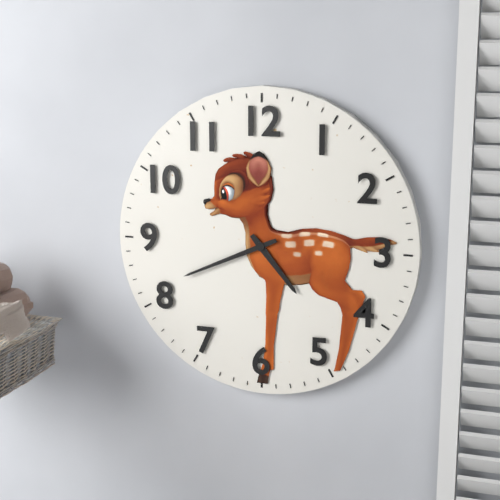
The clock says h=4 m=41
